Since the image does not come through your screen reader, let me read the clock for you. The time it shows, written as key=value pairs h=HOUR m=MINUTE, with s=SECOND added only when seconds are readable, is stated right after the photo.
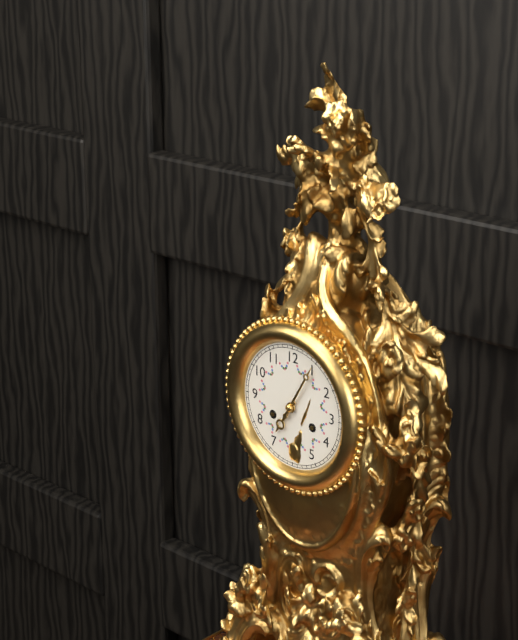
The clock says h=7 m=5
